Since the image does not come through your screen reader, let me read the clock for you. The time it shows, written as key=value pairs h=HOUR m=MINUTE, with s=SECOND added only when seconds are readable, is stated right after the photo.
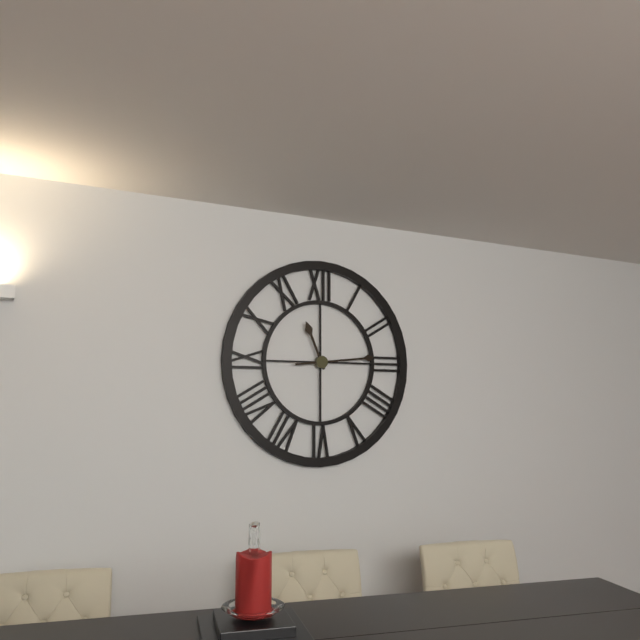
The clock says h=11 m=14
